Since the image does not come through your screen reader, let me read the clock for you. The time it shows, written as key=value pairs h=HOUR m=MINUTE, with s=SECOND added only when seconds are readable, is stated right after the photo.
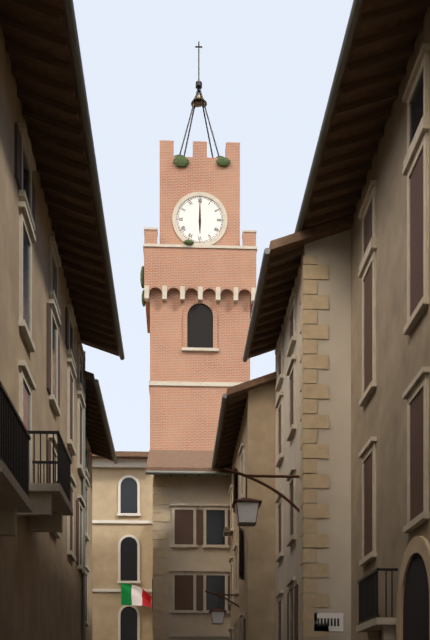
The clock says h=6 m=0
